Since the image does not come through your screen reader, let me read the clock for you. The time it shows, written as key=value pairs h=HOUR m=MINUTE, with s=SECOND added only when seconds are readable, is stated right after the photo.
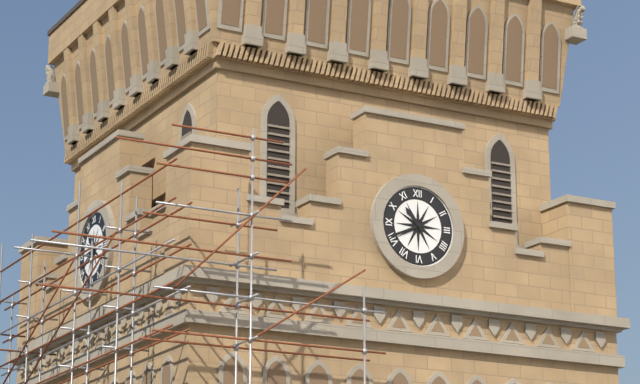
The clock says h=10 m=41
